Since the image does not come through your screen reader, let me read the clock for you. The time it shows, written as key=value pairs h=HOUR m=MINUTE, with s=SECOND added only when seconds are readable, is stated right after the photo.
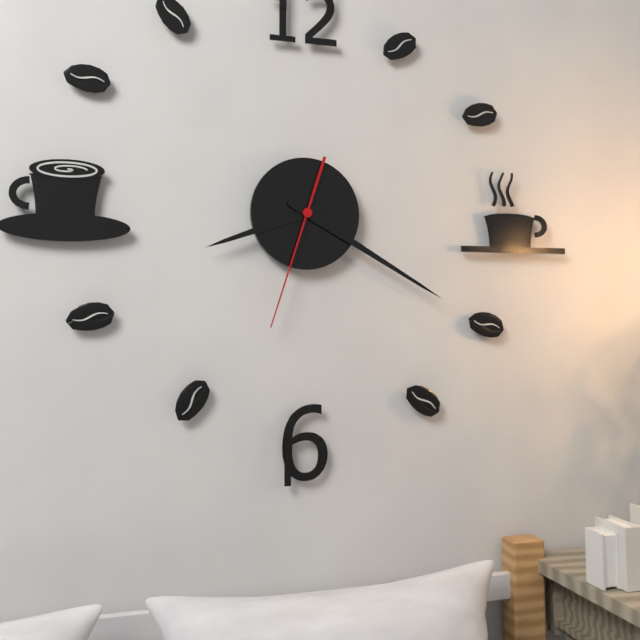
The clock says h=8 m=20 s=33
